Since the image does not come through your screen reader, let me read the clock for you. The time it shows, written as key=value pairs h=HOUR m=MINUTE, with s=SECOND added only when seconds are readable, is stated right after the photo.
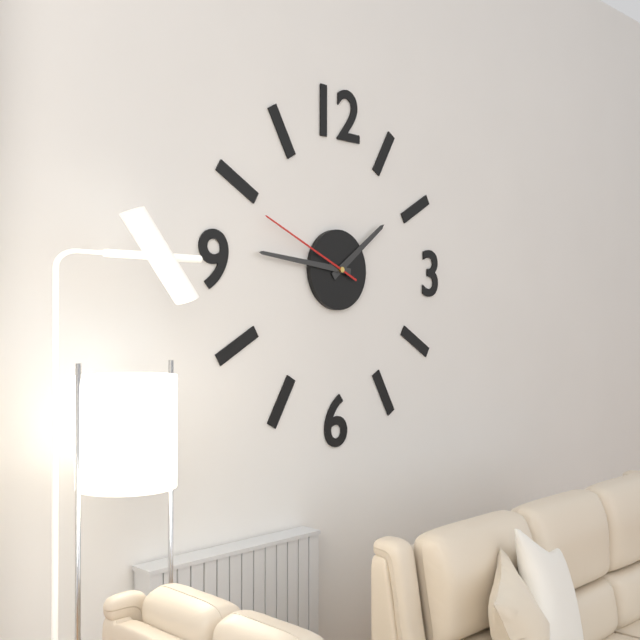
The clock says h=1 m=46 s=49
